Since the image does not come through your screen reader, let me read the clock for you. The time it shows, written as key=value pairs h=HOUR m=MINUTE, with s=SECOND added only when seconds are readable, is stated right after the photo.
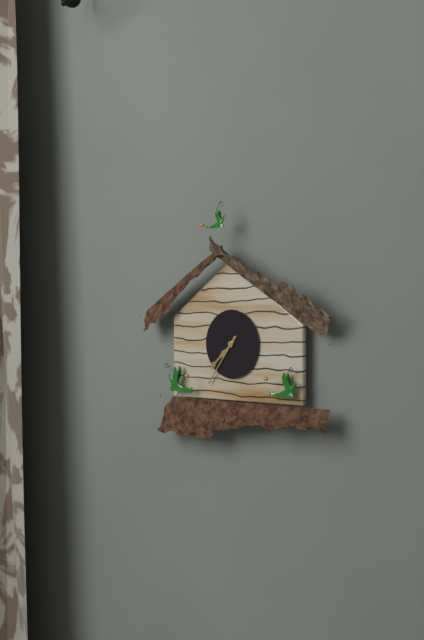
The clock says h=7 m=36
